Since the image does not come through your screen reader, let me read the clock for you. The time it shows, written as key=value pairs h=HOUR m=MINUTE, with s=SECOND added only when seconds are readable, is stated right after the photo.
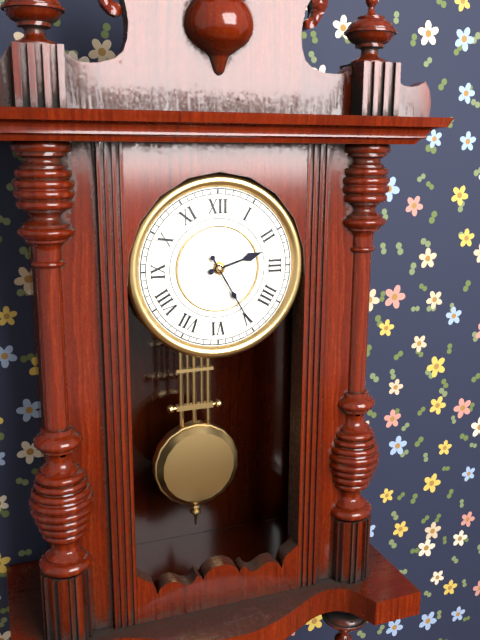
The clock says h=2 m=25
